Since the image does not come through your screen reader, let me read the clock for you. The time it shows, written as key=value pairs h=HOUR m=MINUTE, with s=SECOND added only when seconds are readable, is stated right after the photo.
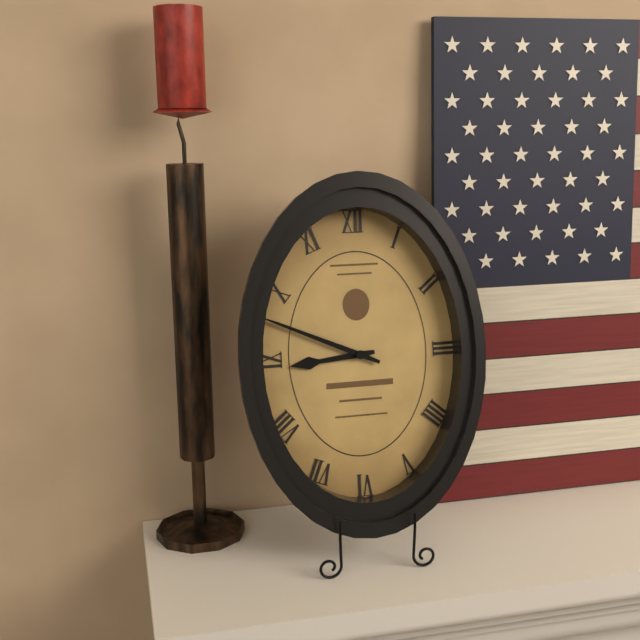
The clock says h=8 m=49
